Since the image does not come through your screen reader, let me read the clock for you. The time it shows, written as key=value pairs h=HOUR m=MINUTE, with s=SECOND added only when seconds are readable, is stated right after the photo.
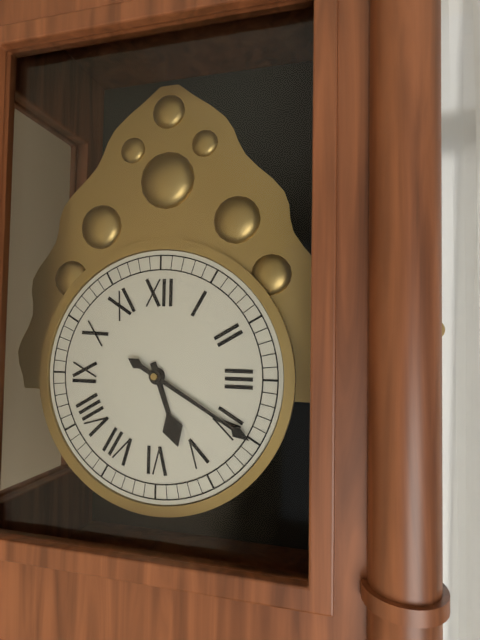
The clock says h=5 m=20
